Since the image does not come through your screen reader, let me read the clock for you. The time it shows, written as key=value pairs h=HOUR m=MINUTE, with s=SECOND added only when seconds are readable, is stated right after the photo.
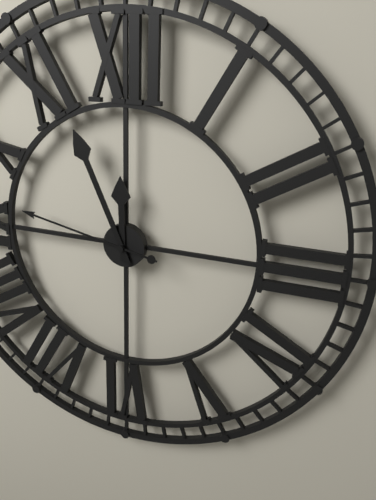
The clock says h=11 m=56 s=47
